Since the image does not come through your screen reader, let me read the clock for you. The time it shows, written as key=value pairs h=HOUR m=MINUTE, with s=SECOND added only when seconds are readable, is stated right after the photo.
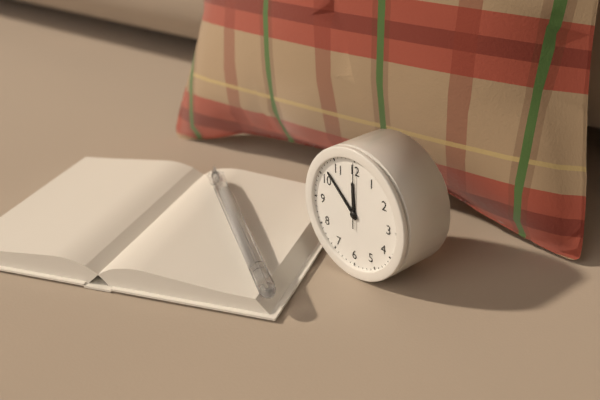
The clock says h=11 m=52 s=0
